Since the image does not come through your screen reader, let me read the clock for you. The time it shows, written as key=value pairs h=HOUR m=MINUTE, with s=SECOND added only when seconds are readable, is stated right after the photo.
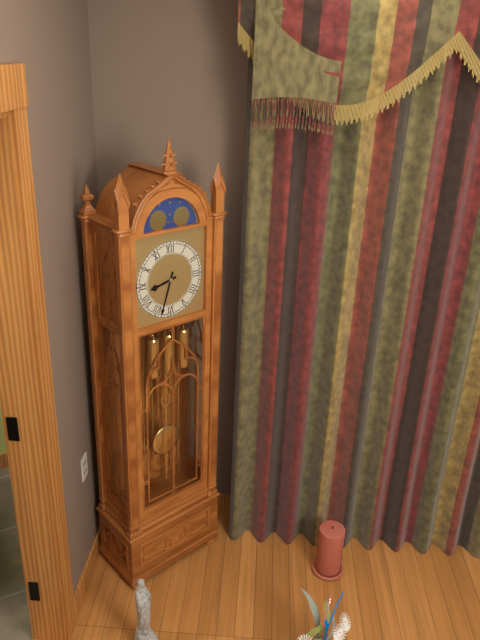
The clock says h=8 m=33
